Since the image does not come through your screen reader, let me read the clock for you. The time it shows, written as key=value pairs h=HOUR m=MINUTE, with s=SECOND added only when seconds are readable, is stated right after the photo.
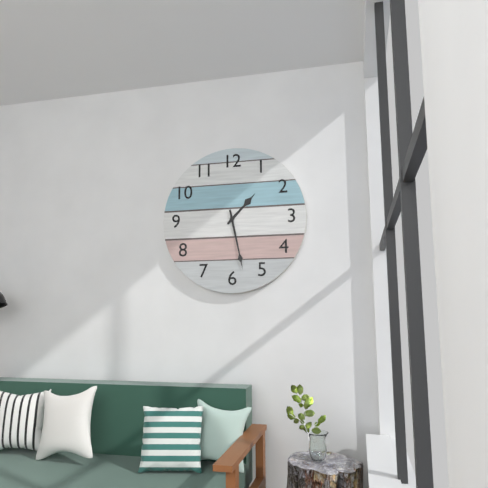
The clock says h=1 m=28
